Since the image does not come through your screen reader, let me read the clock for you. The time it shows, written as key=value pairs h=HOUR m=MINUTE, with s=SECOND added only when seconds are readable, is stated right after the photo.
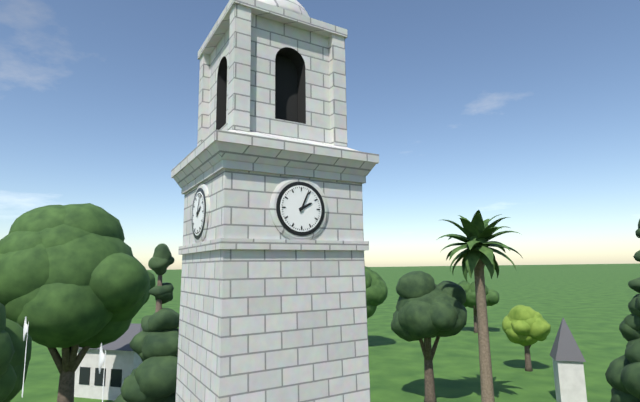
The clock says h=2 m=4
